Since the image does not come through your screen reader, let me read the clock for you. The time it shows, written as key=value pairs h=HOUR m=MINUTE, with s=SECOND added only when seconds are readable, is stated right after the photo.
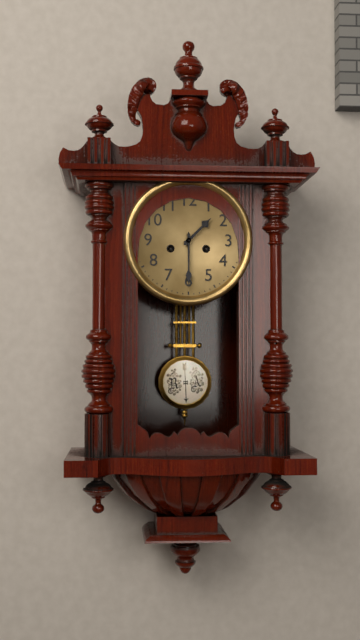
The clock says h=1 m=30
